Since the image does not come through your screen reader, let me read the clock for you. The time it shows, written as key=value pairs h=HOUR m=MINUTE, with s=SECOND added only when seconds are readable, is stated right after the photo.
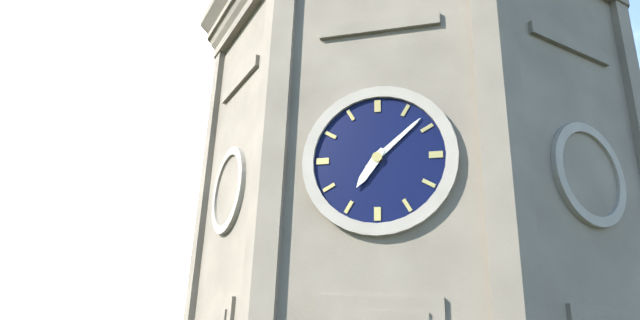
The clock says h=7 m=8
